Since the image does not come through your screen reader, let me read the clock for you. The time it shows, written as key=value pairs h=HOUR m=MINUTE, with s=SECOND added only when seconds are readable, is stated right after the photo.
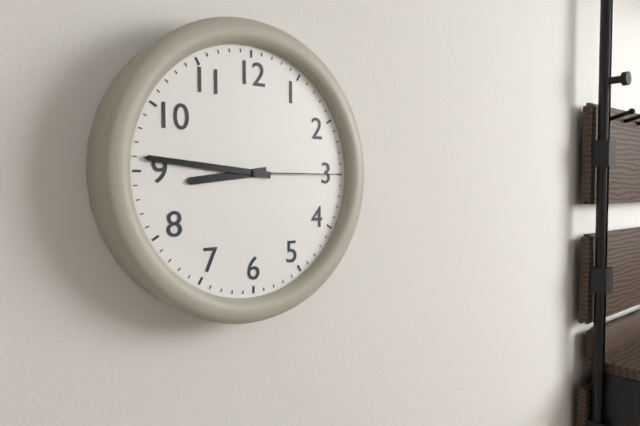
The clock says h=8 m=46 s=15
